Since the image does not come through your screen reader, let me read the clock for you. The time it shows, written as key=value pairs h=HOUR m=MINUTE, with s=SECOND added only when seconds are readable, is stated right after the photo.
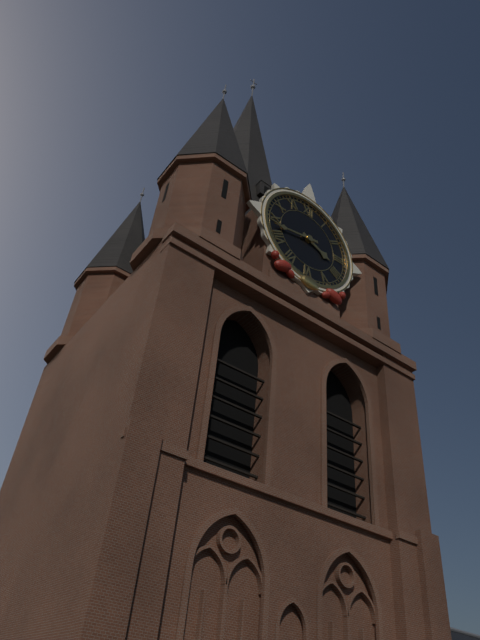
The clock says h=3 m=43
